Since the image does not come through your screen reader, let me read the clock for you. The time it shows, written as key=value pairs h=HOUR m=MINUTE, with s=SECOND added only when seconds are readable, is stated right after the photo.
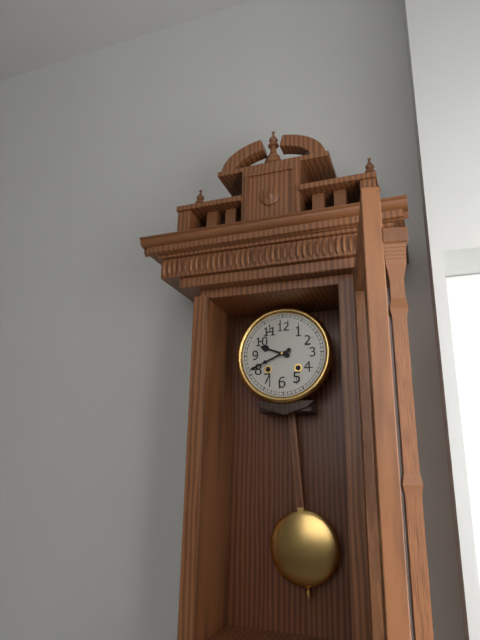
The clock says h=9 m=41
